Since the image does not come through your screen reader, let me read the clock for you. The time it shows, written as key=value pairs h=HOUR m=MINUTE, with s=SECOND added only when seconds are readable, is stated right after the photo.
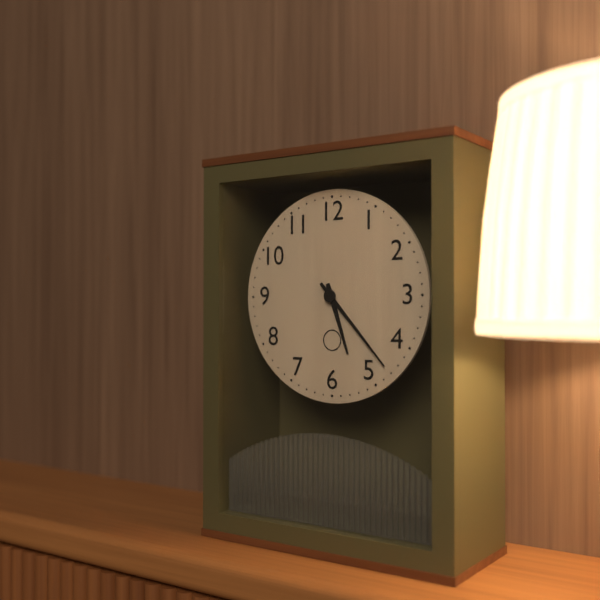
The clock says h=5 m=23
